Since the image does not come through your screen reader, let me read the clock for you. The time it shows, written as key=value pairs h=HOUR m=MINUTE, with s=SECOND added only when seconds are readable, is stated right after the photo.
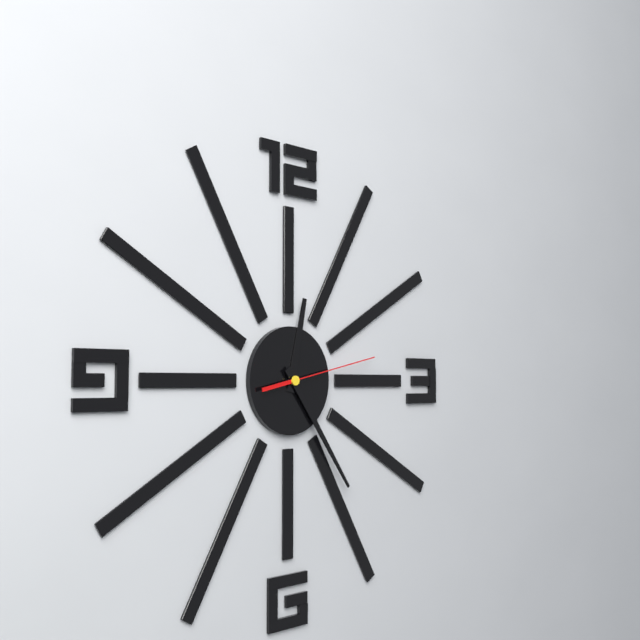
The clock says h=12 m=24 s=13
